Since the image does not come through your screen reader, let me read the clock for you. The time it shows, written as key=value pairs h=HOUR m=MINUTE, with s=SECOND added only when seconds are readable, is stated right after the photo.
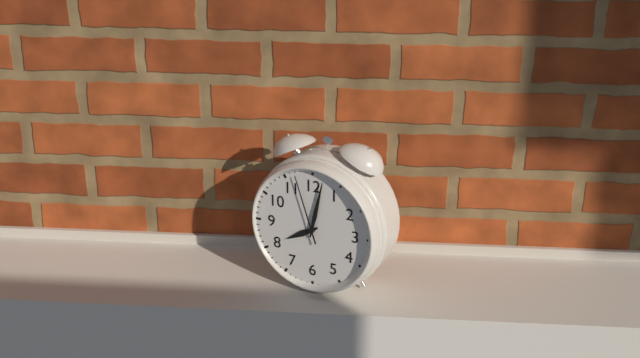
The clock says h=8 m=2 s=57
